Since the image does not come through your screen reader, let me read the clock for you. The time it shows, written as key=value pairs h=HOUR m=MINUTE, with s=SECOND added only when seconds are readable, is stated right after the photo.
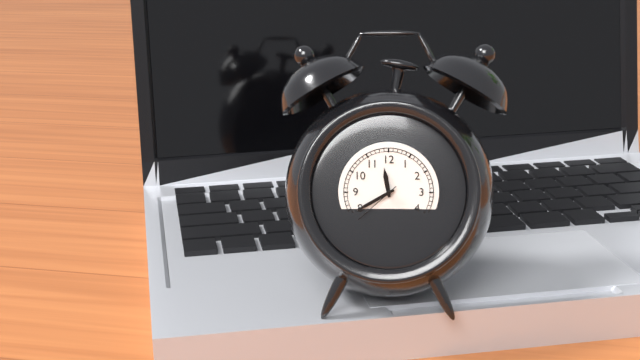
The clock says h=11 m=40 s=38
